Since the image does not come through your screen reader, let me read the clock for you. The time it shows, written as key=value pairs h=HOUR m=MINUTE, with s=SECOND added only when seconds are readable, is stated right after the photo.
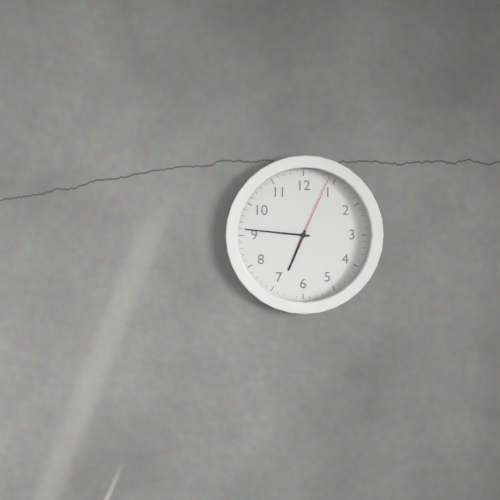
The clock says h=6 m=46 s=4
